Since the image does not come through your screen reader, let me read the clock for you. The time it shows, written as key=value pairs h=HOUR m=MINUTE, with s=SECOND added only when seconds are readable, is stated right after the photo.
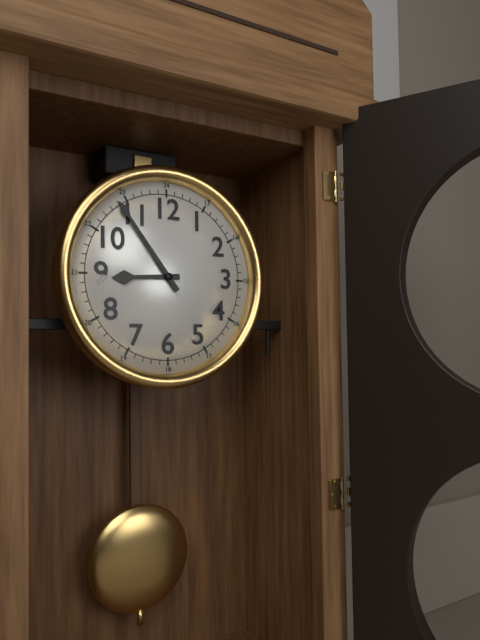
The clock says h=8 m=54
